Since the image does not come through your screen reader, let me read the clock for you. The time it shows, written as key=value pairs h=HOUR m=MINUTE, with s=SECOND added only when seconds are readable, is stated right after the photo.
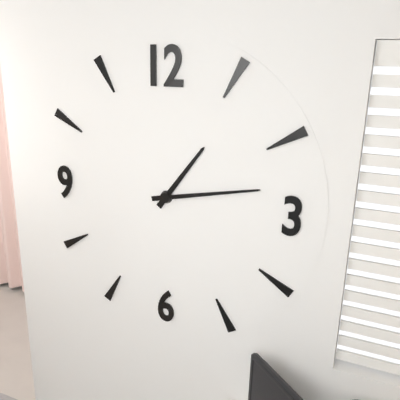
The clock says h=1 m=13
